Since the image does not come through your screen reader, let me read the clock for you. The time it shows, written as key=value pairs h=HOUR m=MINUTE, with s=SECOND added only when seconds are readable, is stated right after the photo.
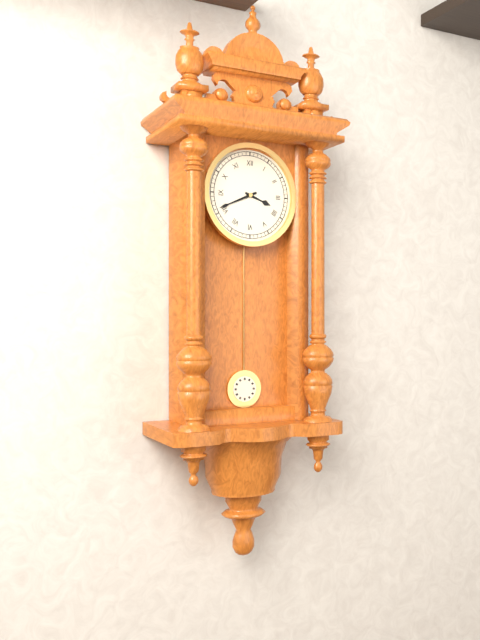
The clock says h=3 m=41
